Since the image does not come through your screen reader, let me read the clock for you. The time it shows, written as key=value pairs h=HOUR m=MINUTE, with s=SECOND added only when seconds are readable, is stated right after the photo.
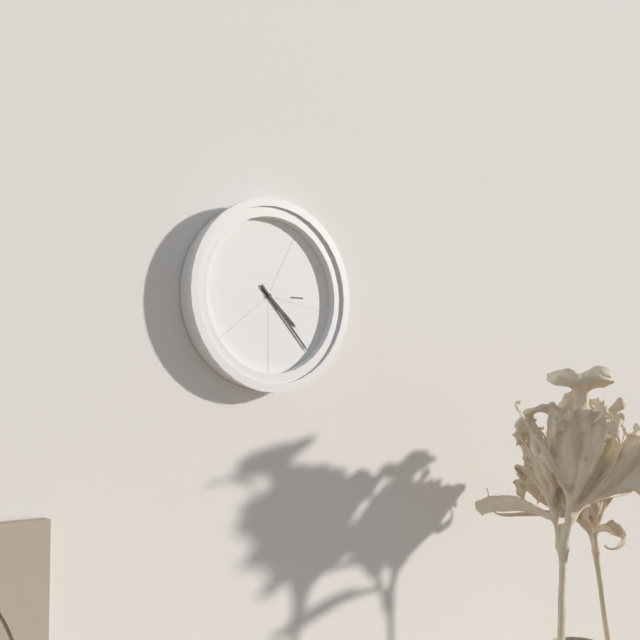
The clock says h=4 m=23
